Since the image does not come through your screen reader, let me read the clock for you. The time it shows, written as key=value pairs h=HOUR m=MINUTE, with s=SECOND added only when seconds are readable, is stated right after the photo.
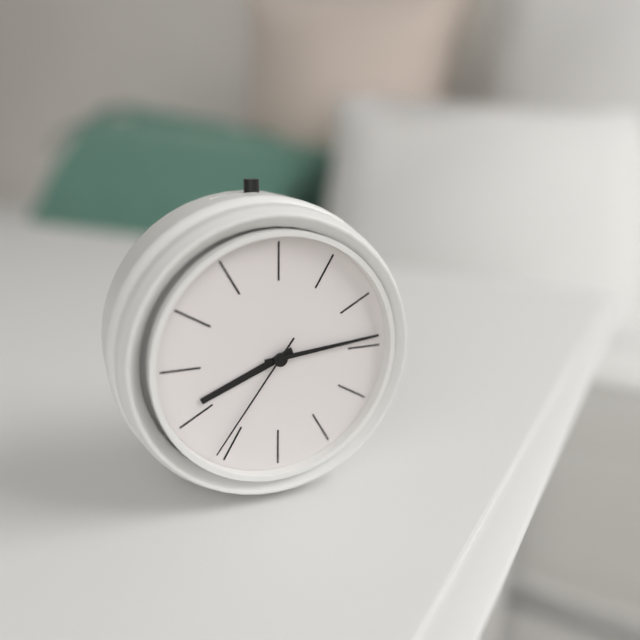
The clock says h=8 m=14 s=36
